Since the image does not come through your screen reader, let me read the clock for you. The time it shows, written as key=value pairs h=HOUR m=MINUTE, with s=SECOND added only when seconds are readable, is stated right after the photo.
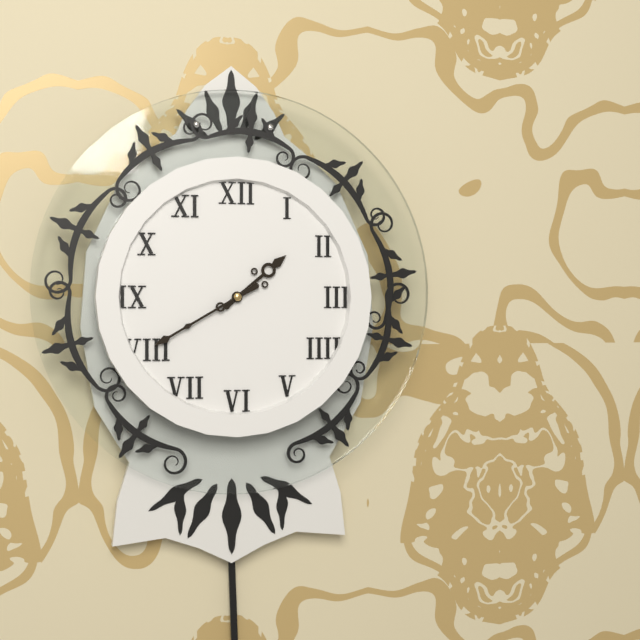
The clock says h=1 m=40
